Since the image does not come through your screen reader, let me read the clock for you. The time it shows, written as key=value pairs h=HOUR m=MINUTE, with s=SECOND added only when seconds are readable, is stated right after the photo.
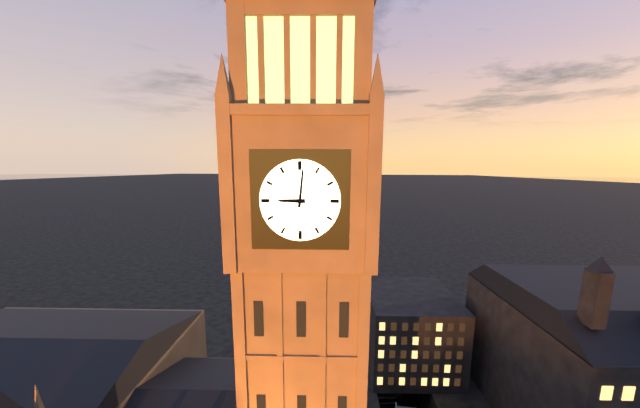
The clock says h=9 m=1
